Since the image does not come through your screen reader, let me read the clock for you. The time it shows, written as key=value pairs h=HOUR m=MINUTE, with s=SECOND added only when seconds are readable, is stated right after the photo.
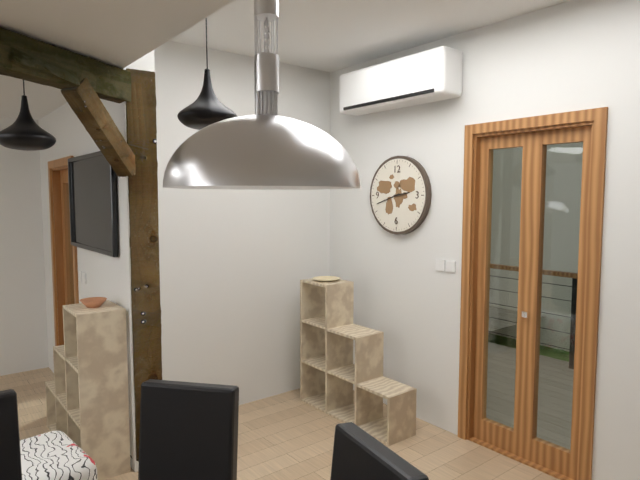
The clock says h=2 m=42
